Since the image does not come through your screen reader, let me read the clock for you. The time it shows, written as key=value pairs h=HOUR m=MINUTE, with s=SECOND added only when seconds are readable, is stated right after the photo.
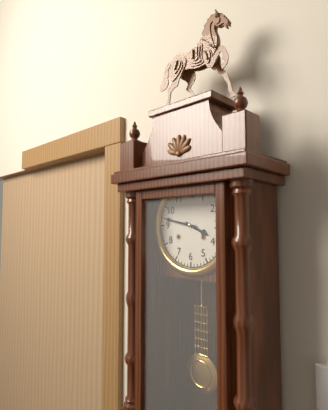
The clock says h=3 m=47
